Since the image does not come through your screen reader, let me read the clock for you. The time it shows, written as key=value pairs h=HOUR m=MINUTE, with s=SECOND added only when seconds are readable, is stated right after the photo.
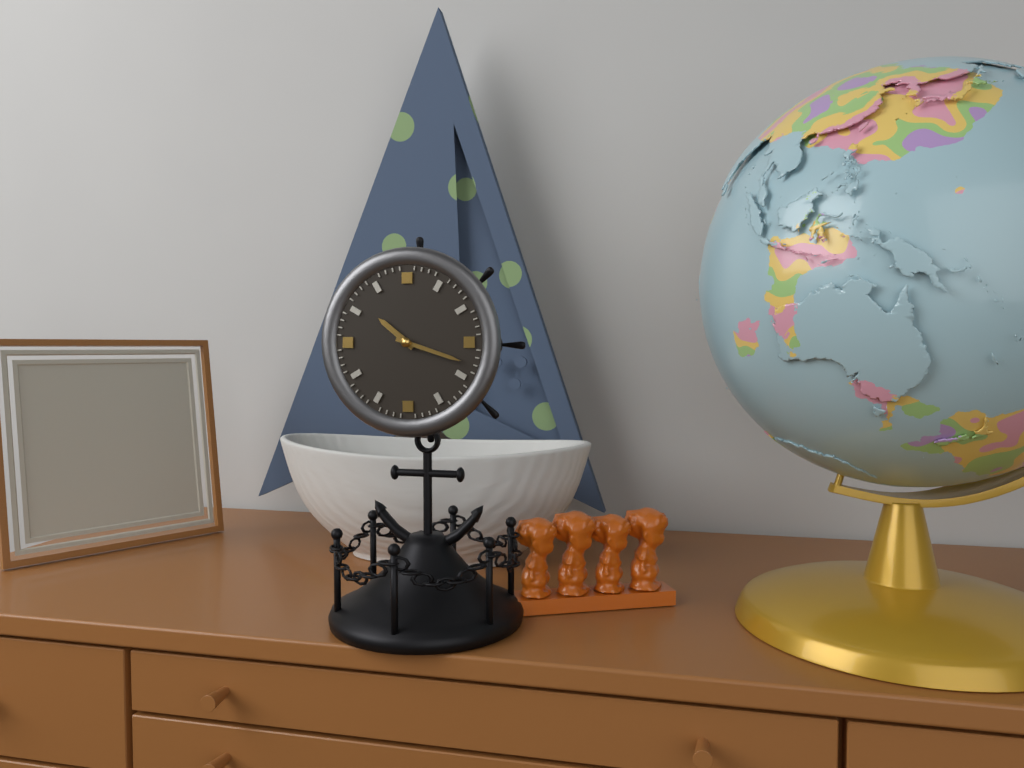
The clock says h=10 m=18
